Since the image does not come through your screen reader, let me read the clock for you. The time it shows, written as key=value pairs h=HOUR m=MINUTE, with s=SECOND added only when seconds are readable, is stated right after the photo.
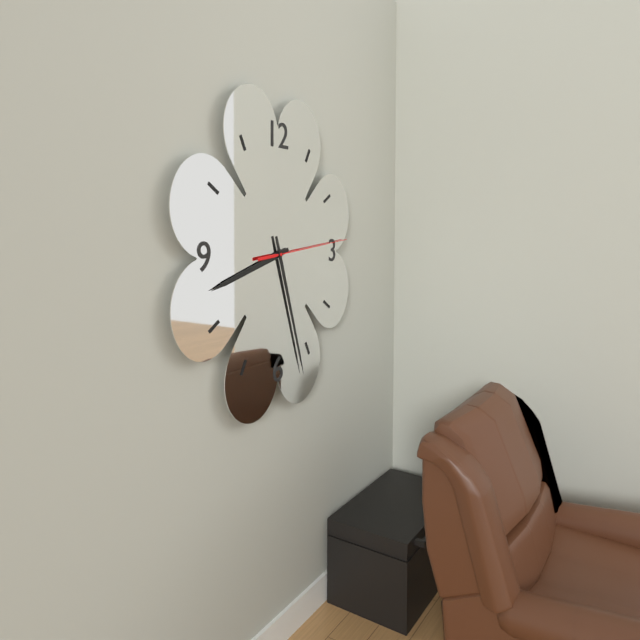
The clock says h=8 m=27 s=14
